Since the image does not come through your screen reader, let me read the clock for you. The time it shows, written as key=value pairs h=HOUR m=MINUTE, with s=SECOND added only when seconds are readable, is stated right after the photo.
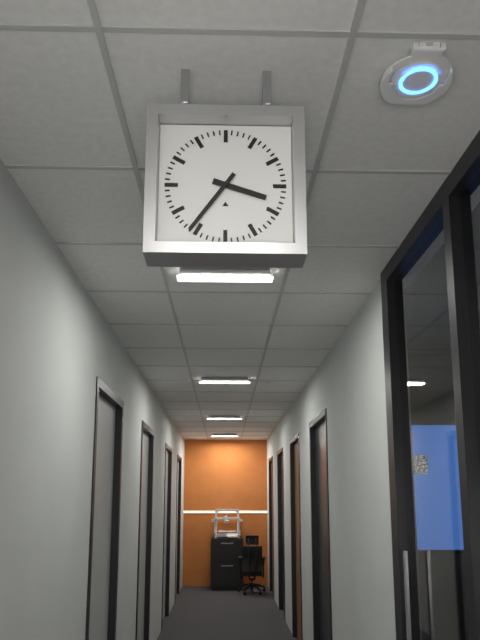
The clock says h=3 m=36
